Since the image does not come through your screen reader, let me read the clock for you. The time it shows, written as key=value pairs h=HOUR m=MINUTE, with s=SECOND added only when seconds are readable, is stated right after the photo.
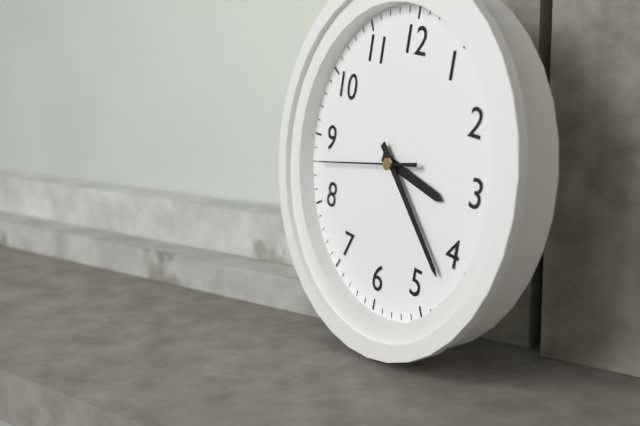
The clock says h=3 m=22 s=43
